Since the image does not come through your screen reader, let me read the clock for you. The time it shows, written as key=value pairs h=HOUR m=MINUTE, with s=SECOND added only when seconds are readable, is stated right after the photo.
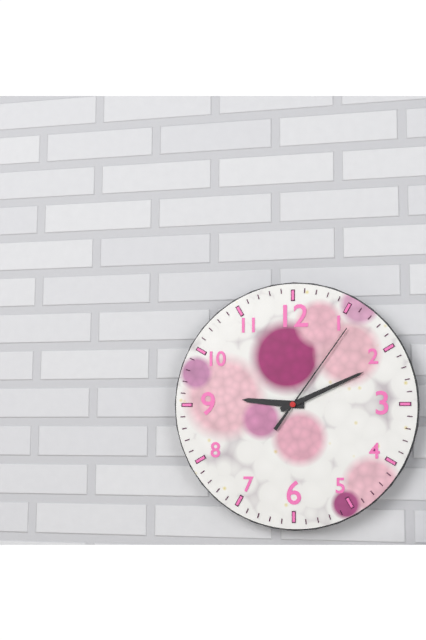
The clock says h=9 m=11 s=6
